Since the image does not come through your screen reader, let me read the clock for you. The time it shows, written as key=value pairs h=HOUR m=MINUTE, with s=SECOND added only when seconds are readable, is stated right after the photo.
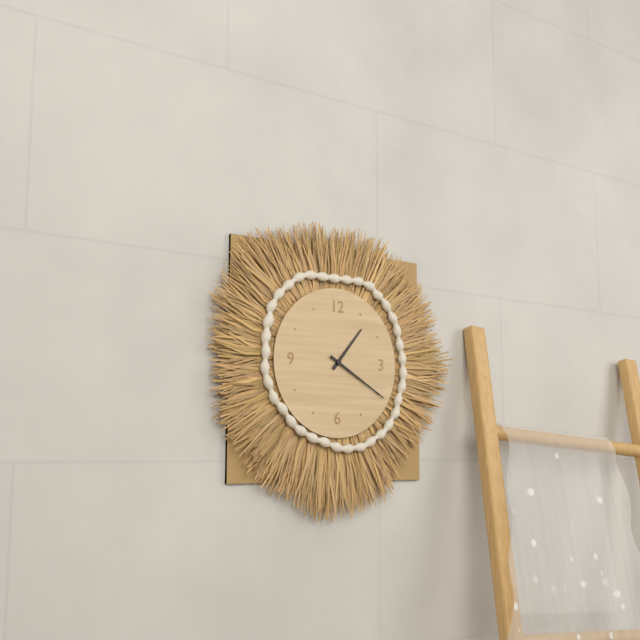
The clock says h=1 m=20
